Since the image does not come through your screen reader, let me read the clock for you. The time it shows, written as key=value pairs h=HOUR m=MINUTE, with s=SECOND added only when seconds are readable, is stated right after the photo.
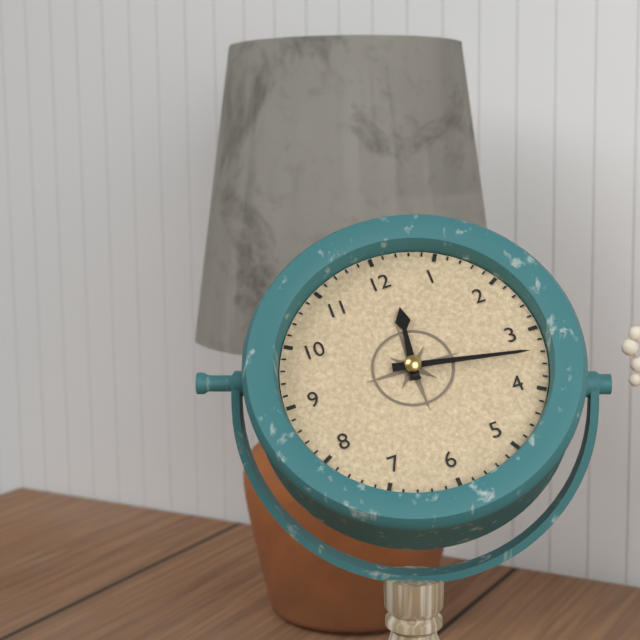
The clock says h=12 m=17
